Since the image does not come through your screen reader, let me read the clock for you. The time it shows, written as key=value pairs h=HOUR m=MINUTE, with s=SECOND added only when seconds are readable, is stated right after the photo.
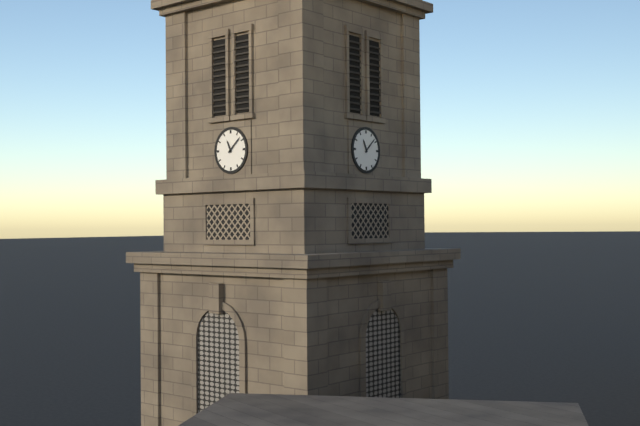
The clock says h=11 m=8
